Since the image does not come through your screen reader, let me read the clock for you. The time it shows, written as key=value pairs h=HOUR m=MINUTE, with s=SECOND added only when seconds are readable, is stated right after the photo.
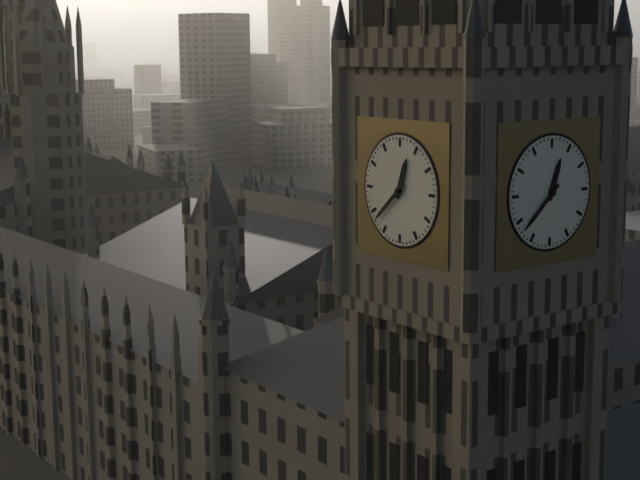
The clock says h=12 m=38
